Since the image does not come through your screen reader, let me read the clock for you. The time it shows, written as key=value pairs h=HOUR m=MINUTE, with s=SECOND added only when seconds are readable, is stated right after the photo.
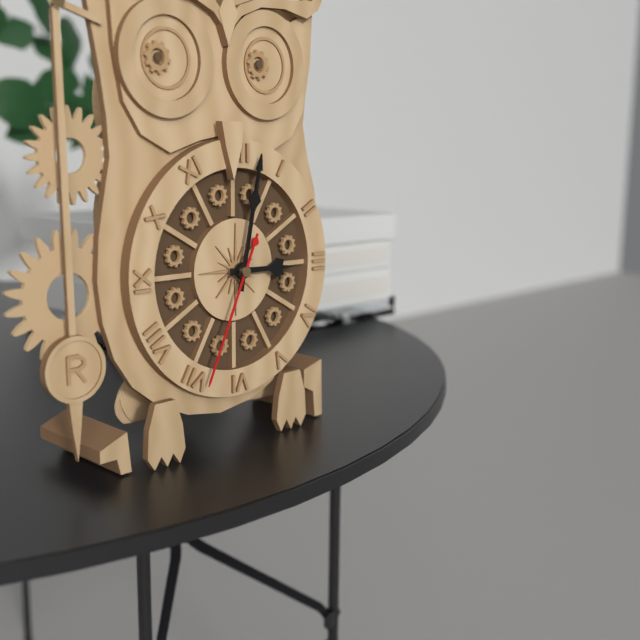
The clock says h=3 m=2 s=34
